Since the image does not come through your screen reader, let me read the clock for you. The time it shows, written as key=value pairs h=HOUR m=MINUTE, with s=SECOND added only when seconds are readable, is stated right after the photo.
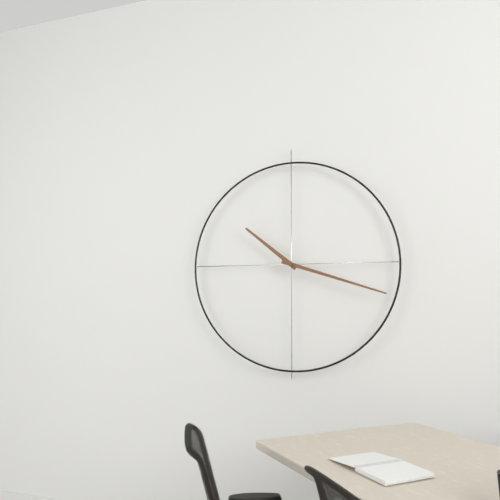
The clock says h=10 m=18
